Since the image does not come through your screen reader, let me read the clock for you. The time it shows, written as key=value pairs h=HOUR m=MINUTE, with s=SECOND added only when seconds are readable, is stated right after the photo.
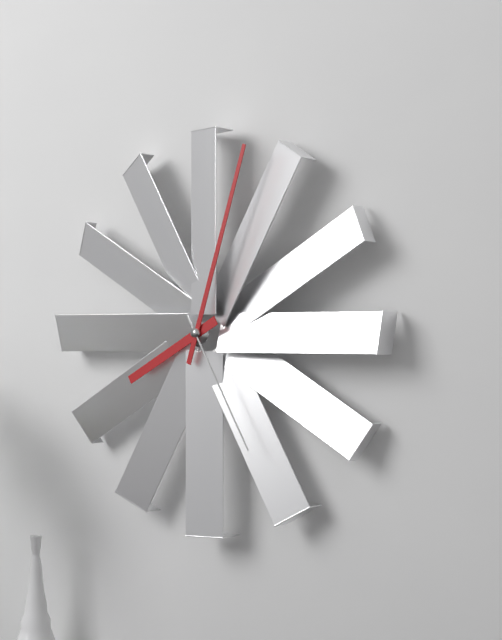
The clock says h=8 m=3 s=25
